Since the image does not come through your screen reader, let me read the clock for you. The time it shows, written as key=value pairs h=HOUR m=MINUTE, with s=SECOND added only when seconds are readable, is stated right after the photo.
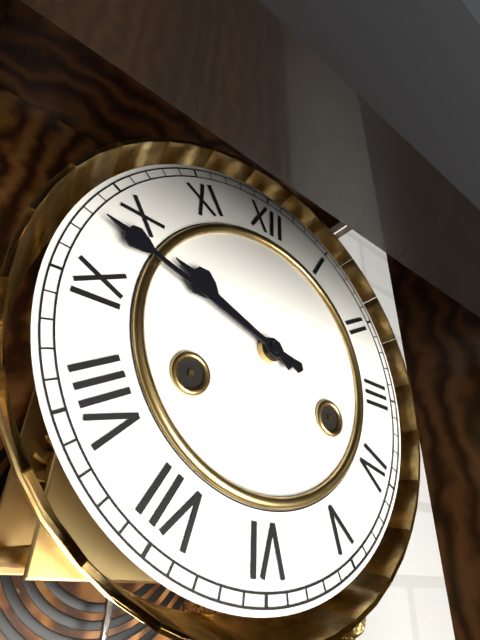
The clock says h=9 m=48
